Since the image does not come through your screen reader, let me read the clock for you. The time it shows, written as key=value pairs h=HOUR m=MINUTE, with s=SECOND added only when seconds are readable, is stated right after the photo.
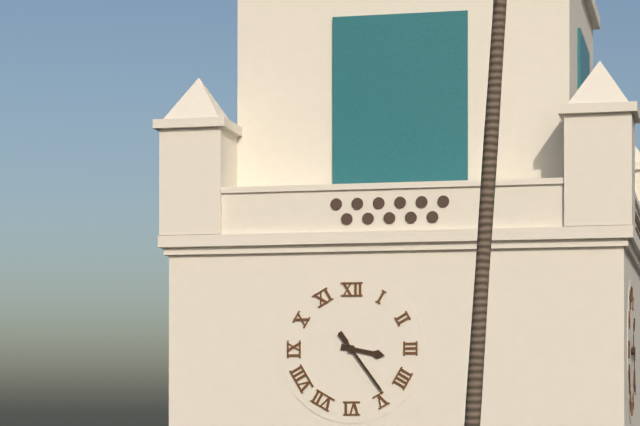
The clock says h=3 m=24
